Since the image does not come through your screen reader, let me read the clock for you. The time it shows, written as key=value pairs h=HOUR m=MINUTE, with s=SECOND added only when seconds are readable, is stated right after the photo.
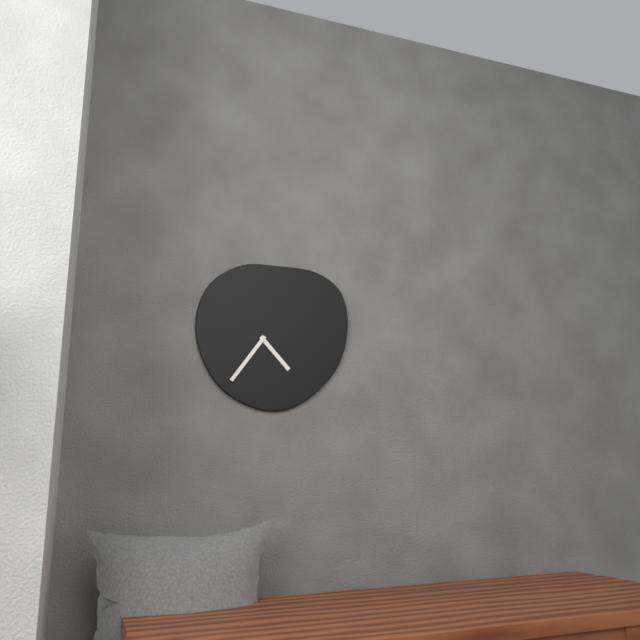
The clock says h=4 m=36
